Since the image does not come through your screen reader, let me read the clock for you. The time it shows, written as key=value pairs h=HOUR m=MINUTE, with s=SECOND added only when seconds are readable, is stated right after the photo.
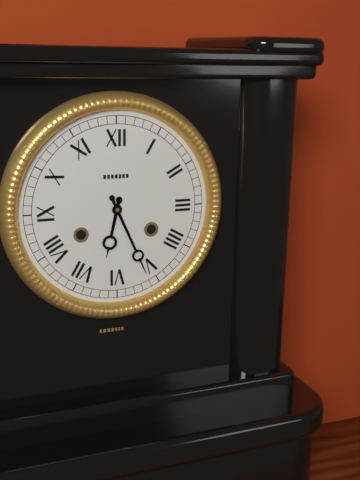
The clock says h=6 m=26
